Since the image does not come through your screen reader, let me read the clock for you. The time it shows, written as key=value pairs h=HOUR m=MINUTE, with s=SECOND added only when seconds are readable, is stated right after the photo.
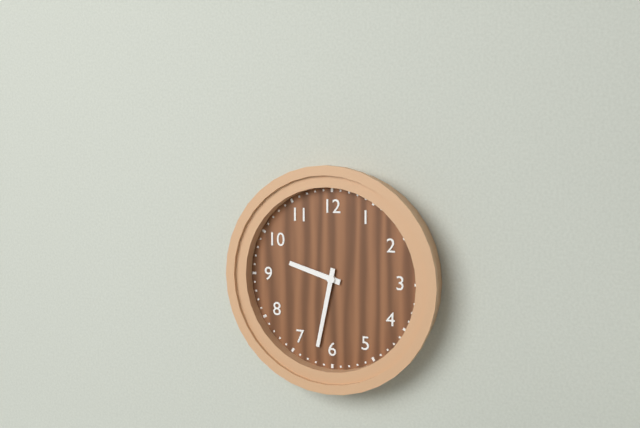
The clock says h=9 m=32
